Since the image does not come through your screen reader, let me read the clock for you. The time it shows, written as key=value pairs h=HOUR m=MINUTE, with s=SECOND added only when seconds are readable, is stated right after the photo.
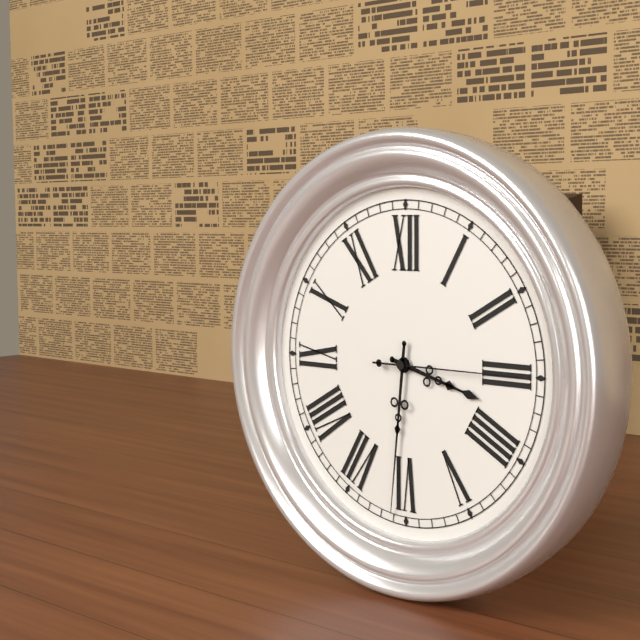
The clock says h=3 m=31 s=15
